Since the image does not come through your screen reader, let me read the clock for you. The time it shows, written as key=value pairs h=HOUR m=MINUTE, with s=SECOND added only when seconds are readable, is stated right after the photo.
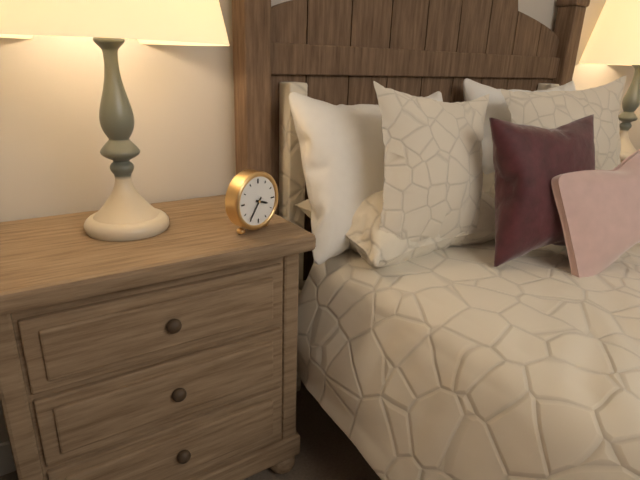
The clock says h=3 m=36
